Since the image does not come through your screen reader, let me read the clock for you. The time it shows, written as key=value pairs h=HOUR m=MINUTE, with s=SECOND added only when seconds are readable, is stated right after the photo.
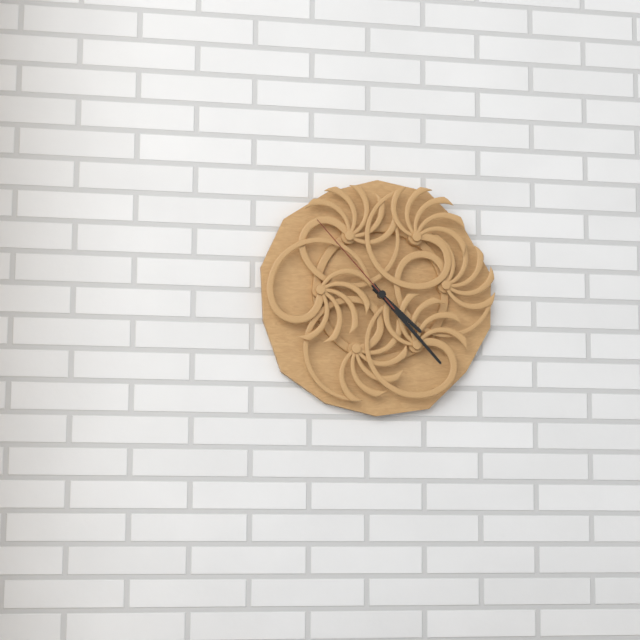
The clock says h=4 m=23 s=53
